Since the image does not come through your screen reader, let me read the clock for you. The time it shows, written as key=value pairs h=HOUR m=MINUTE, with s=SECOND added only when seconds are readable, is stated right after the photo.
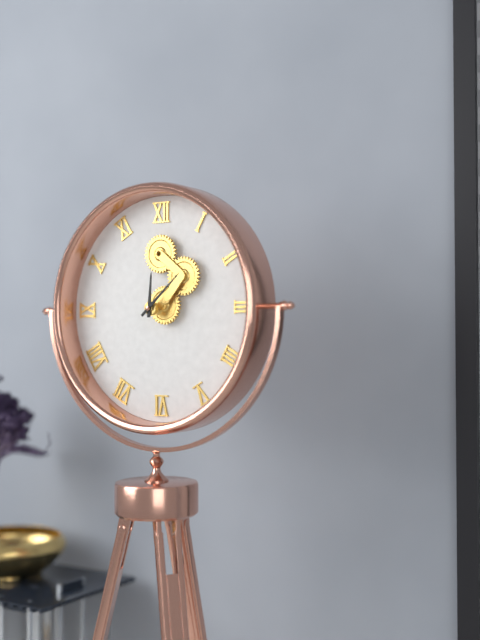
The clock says h=12 m=8
